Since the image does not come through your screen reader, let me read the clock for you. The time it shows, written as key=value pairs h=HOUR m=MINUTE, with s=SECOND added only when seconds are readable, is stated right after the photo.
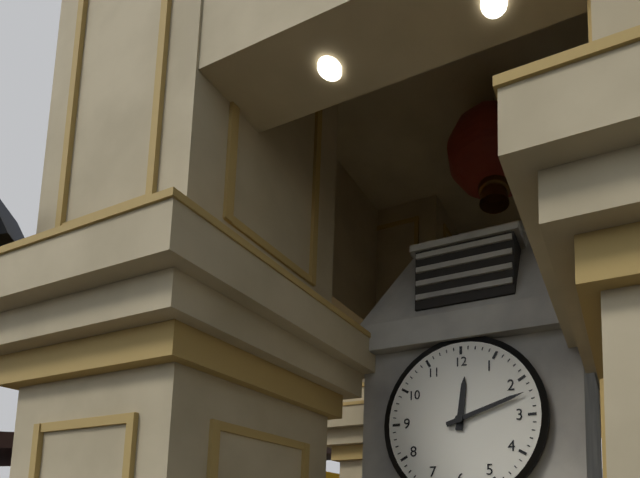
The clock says h=12 m=12
